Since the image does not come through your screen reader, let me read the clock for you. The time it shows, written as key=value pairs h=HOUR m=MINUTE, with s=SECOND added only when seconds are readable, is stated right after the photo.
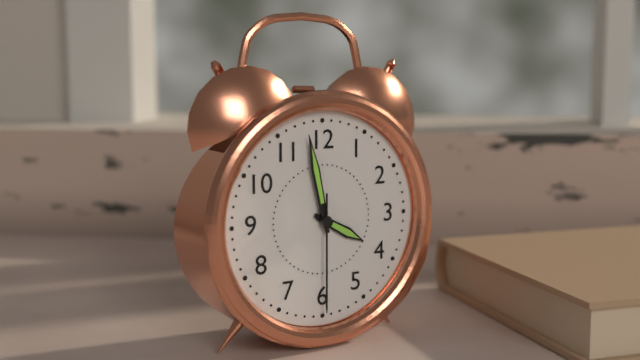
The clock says h=3 m=58 s=30
